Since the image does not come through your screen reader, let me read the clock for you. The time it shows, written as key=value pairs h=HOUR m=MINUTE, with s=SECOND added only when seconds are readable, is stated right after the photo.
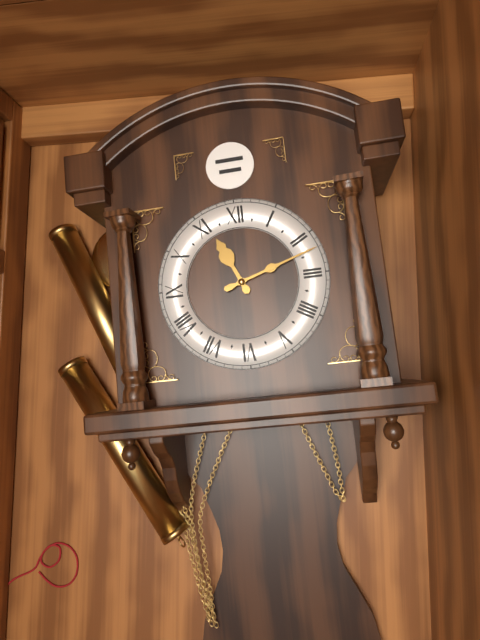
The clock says h=11 m=12
